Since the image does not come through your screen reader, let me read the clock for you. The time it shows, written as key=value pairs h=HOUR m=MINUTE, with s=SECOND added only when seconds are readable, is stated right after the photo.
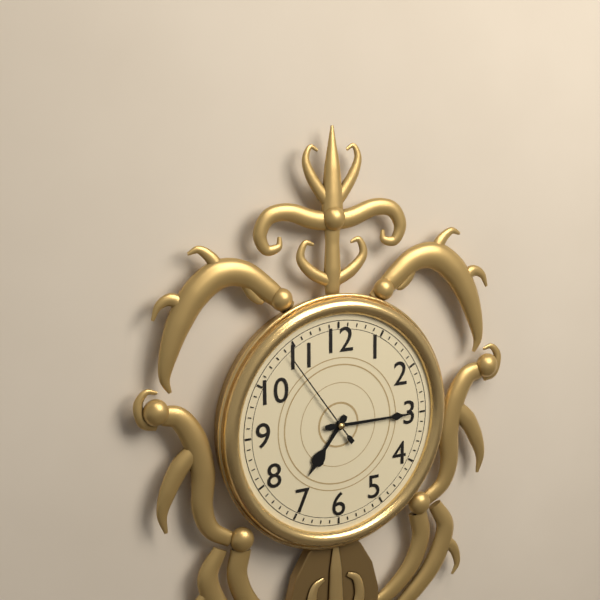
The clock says h=7 m=15 s=54
